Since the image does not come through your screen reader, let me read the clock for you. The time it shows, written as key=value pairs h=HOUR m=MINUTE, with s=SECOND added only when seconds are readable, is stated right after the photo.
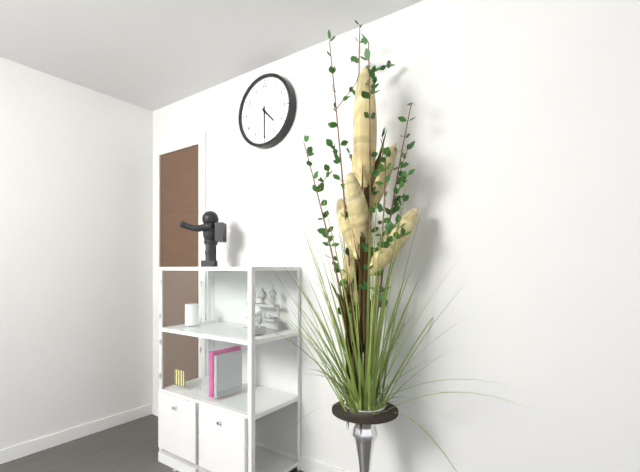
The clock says h=4 m=30
